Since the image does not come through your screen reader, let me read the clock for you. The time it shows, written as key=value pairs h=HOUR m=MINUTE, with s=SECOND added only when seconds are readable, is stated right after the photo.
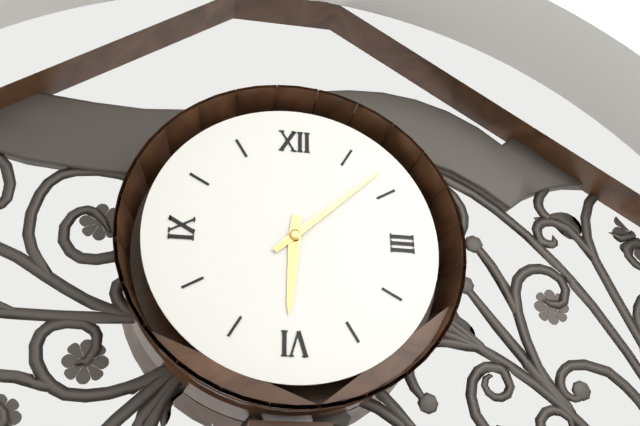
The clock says h=6 m=8
